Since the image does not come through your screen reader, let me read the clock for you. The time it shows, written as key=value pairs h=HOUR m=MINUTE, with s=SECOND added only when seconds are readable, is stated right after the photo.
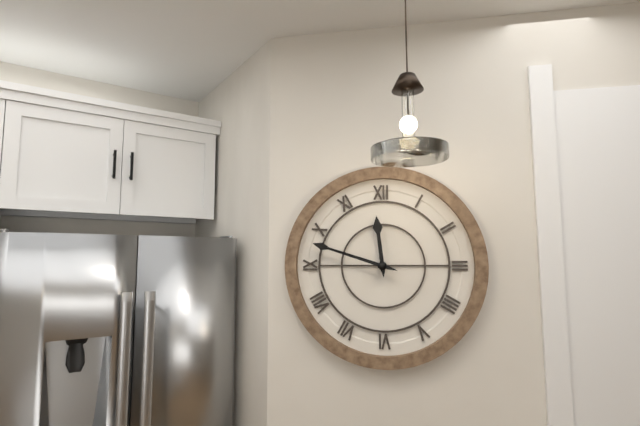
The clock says h=11 m=48
